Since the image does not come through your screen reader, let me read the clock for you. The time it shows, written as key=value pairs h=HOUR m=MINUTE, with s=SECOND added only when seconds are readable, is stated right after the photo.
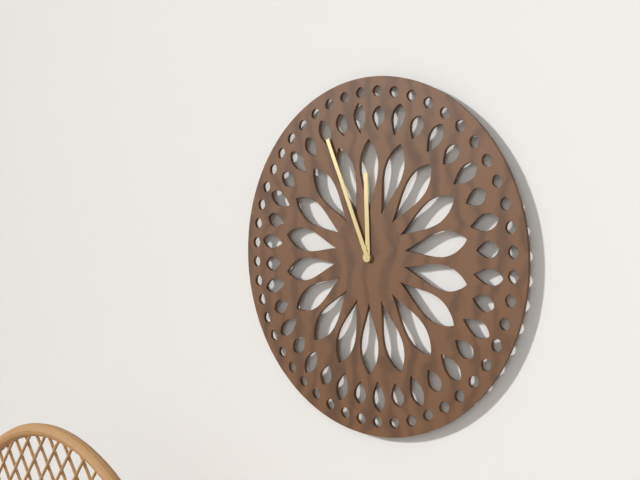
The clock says h=11 m=56
